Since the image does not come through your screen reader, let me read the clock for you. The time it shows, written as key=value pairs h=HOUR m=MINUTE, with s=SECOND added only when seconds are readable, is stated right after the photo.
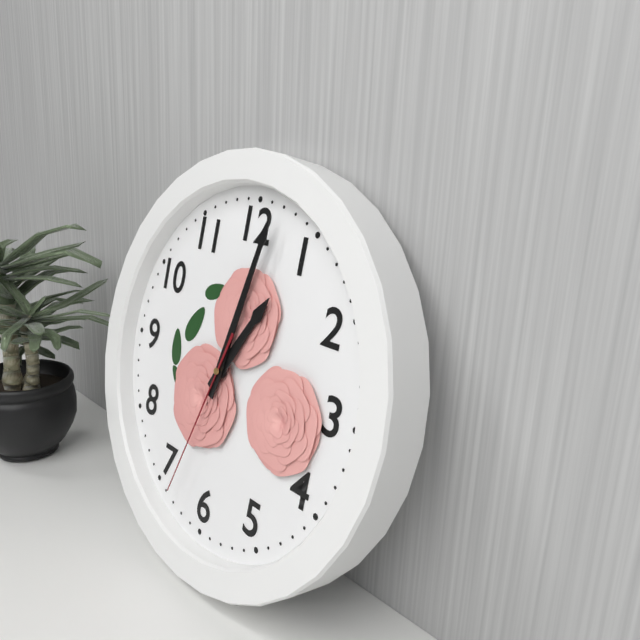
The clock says h=1 m=2 s=33
